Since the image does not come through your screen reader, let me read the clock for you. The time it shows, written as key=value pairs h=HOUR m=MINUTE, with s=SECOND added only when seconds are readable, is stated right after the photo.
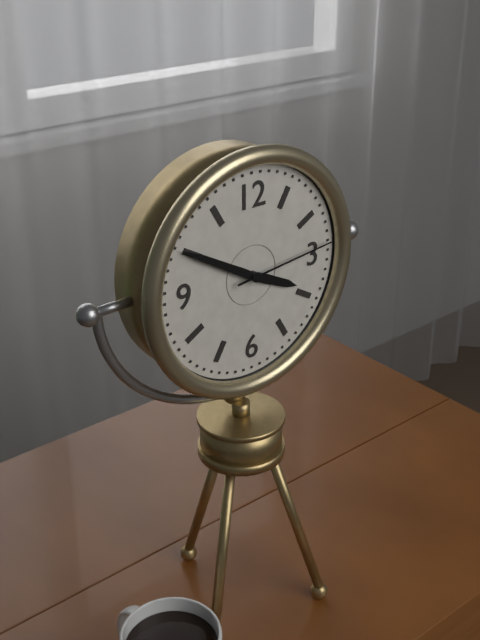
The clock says h=3 m=50 s=14
